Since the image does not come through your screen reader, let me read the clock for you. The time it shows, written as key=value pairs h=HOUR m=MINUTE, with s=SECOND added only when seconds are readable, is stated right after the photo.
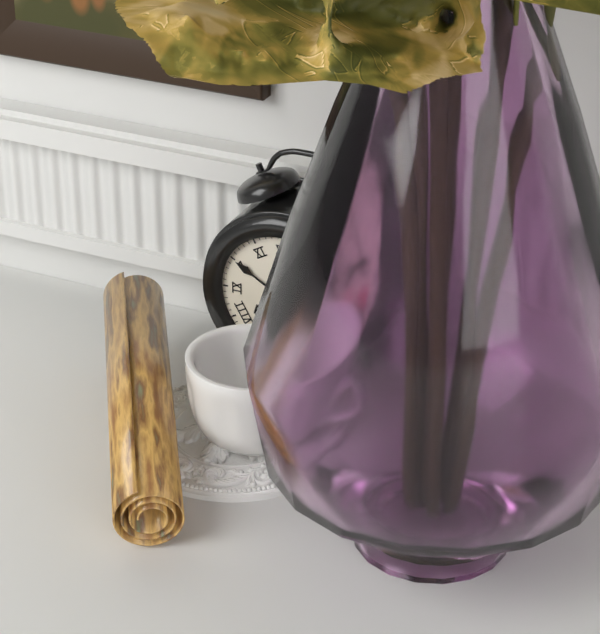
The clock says h=7 m=50
